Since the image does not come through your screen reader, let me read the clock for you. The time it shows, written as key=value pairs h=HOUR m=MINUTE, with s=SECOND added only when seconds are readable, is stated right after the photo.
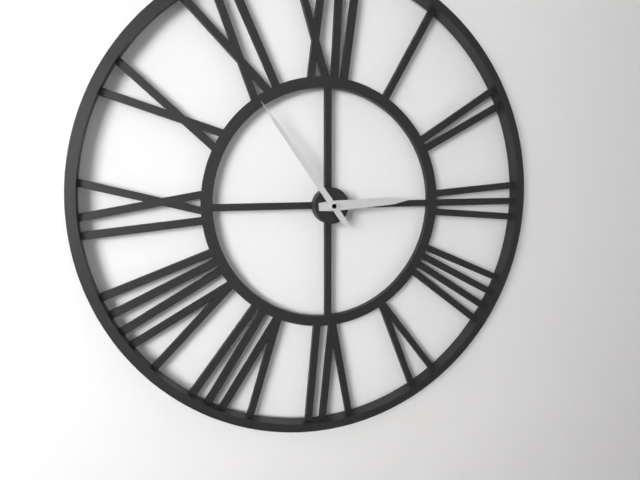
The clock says h=2 m=54
